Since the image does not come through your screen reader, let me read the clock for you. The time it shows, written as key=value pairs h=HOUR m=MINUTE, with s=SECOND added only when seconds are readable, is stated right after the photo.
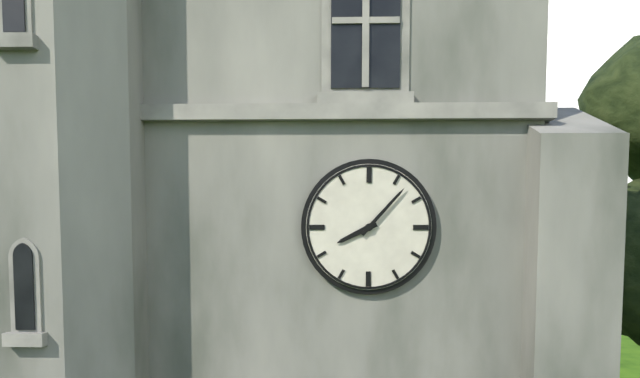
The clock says h=8 m=7
